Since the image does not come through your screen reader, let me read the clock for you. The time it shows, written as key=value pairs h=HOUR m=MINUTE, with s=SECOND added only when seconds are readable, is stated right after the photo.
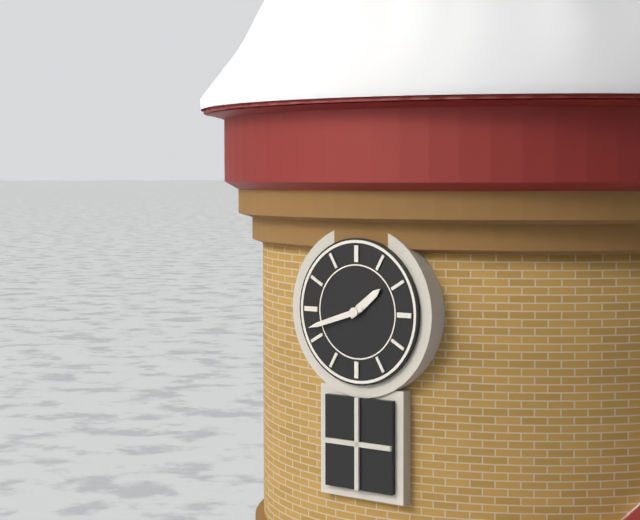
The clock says h=1 m=42
